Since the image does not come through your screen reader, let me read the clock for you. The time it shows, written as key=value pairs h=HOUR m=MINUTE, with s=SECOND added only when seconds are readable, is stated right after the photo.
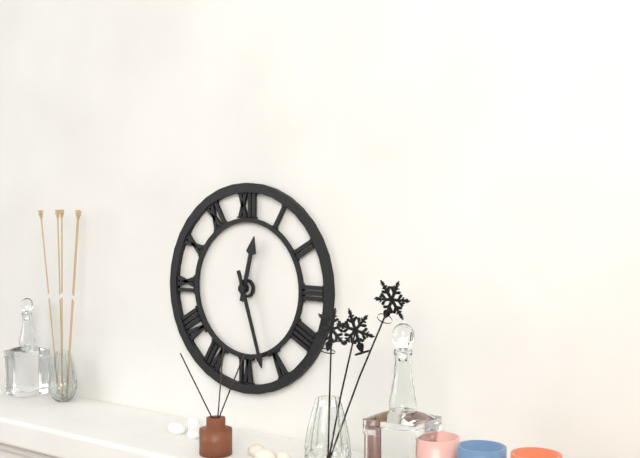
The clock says h=12 m=27
